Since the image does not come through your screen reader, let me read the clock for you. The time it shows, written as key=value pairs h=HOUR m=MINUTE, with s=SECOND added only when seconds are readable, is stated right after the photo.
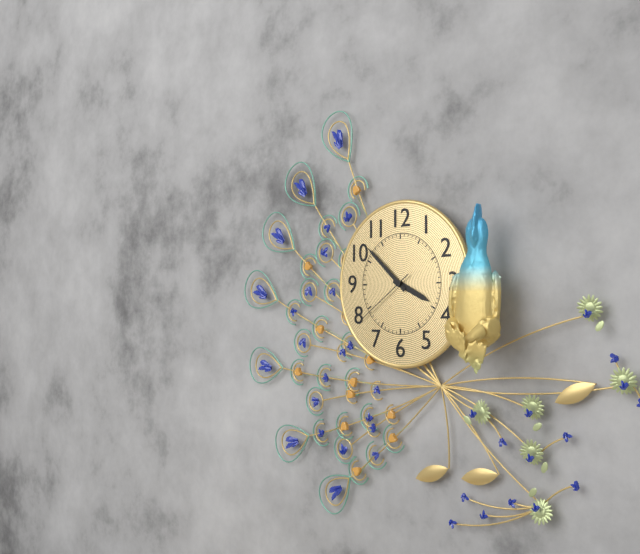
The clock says h=3 m=52 s=39
